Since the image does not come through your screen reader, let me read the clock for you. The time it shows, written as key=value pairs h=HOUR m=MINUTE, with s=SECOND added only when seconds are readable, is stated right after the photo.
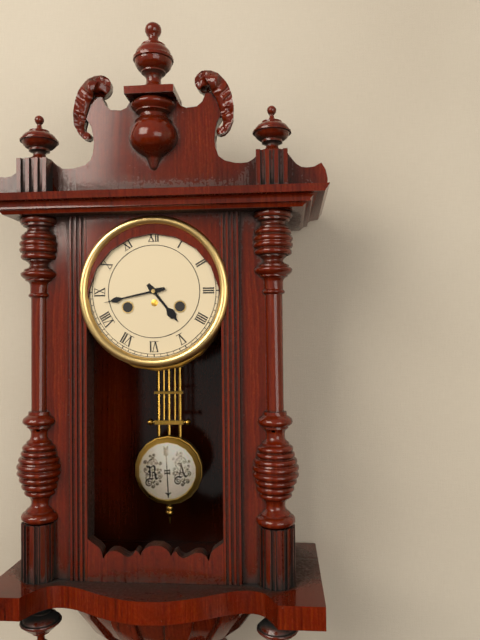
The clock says h=4 m=43
